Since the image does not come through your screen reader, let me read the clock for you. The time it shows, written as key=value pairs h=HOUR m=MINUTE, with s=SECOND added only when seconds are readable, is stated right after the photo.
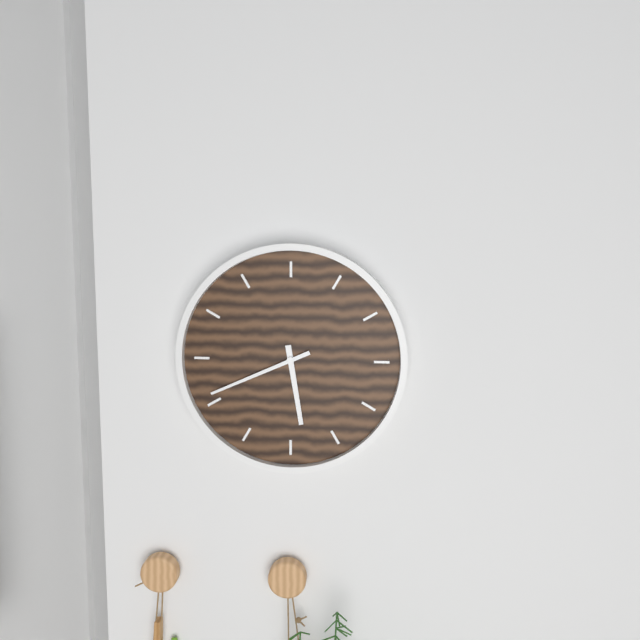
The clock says h=5 m=41
